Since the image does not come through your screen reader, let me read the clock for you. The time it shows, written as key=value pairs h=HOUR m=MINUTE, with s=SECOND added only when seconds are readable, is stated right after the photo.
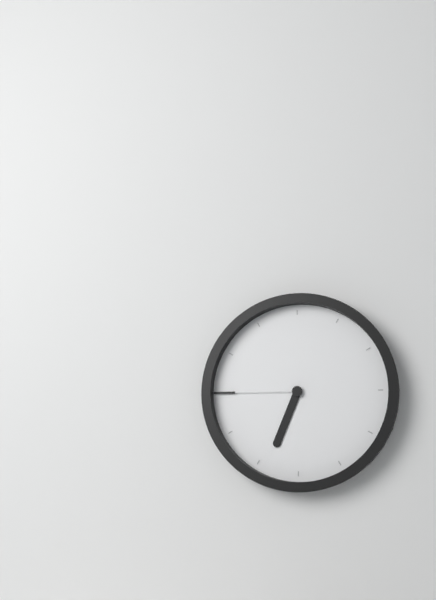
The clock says h=6 m=45
